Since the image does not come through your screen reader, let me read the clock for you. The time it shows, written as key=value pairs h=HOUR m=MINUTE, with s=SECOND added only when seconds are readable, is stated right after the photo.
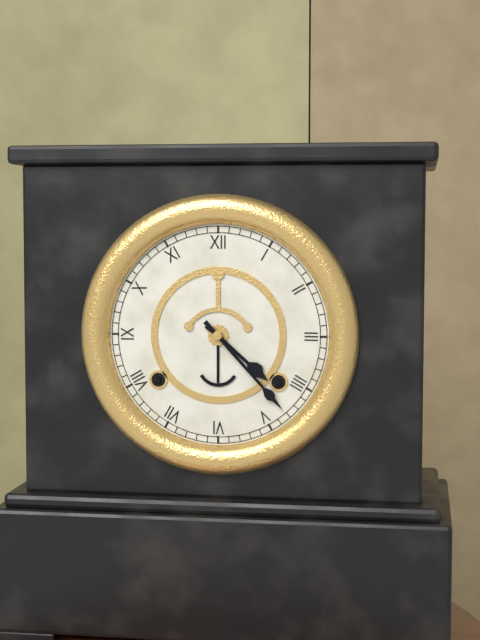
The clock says h=4 m=23
